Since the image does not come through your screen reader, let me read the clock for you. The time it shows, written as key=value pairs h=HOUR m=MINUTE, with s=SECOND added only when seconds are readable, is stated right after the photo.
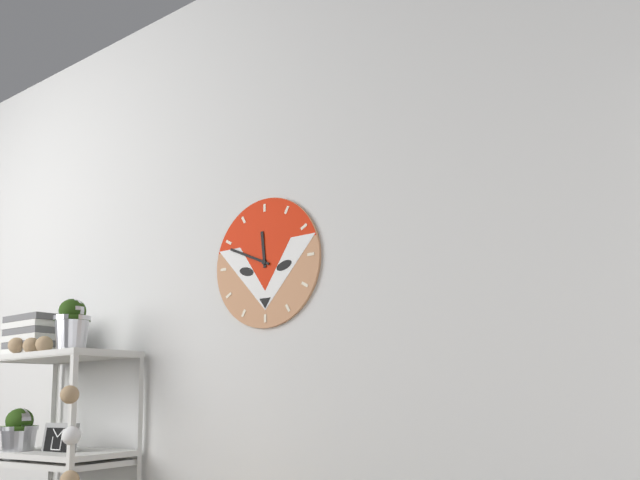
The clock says h=11 m=49
